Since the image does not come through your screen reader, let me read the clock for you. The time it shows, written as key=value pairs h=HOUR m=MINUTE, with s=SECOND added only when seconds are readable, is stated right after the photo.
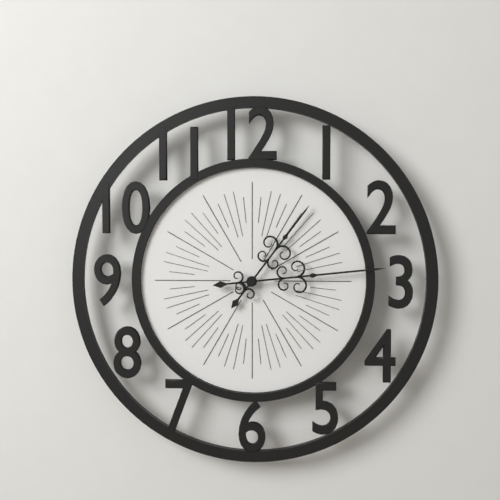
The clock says h=1 m=14
